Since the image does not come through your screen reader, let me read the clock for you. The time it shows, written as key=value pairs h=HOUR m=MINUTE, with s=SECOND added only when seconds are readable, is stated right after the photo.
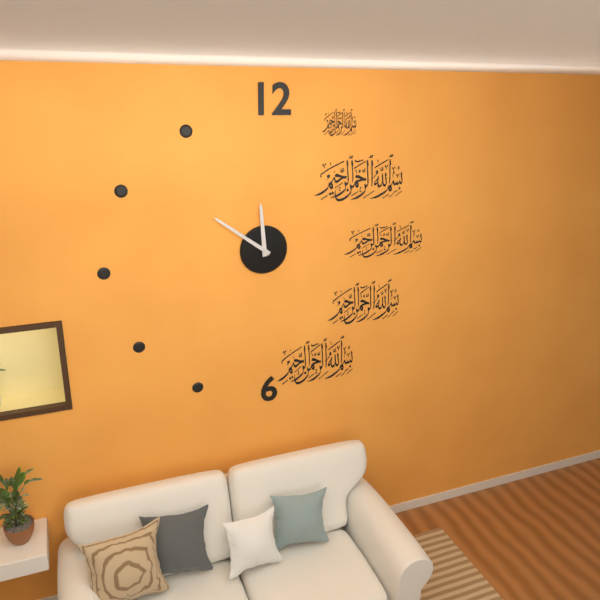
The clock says h=11 m=51
